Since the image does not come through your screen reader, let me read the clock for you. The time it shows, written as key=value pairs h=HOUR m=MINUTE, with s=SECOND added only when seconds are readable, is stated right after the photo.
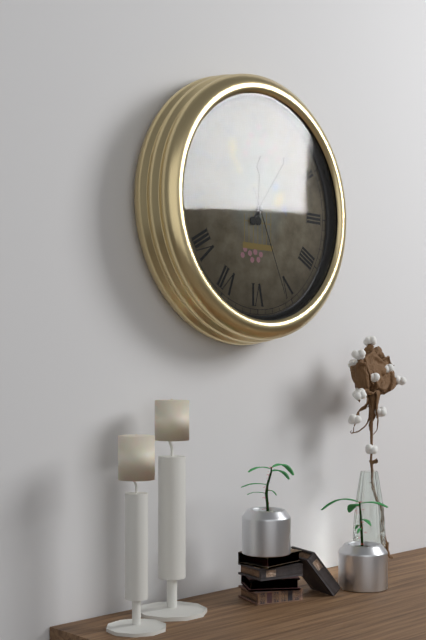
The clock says h=12 m=6 s=26
